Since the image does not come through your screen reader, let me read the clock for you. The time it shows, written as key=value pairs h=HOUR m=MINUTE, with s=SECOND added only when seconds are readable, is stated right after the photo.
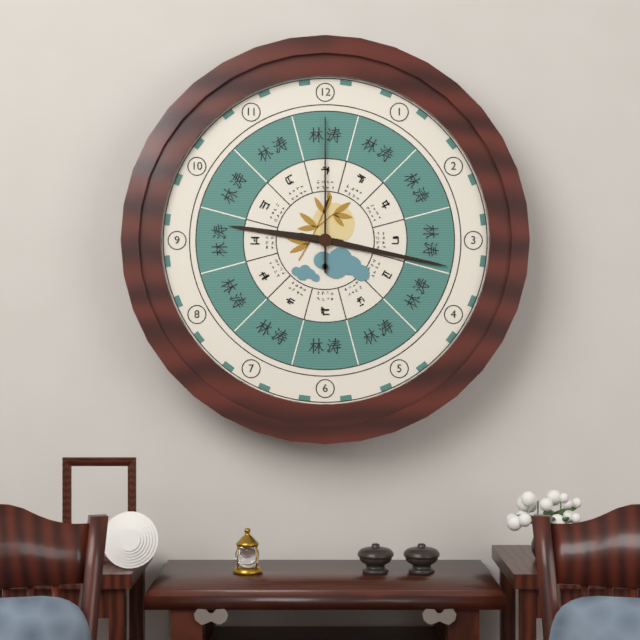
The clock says h=9 m=17 s=0
